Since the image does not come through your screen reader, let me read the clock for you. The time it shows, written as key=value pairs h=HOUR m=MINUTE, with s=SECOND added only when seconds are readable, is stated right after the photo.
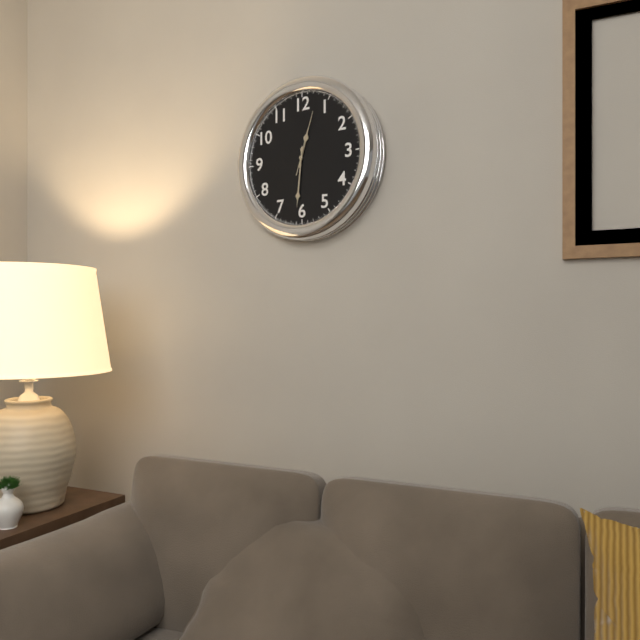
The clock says h=12 m=31 s=3
